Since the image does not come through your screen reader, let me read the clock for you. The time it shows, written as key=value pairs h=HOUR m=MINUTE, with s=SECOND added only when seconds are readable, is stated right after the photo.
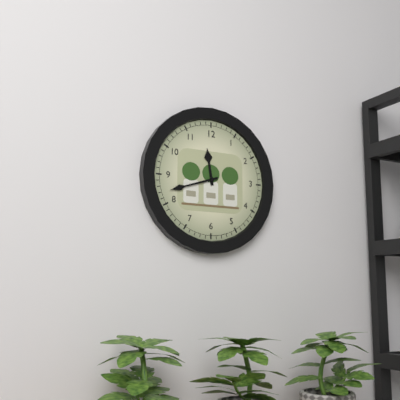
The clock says h=11 m=42
